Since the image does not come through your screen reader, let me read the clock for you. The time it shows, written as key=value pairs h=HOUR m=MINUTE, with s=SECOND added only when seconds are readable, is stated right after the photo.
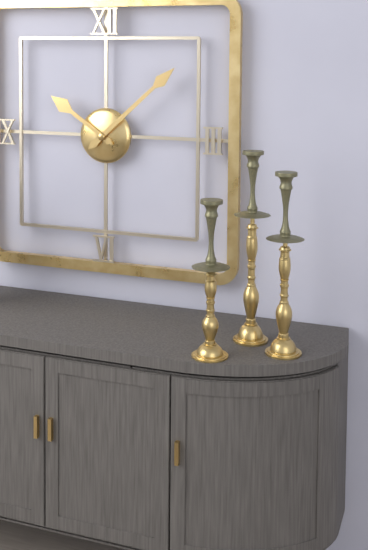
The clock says h=10 m=8
